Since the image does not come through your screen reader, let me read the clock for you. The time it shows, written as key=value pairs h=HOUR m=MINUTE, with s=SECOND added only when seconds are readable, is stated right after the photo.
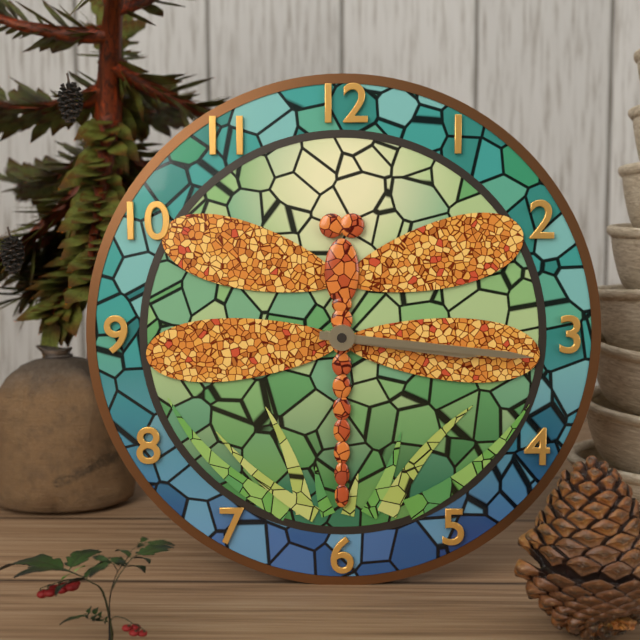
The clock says h=3 m=16
